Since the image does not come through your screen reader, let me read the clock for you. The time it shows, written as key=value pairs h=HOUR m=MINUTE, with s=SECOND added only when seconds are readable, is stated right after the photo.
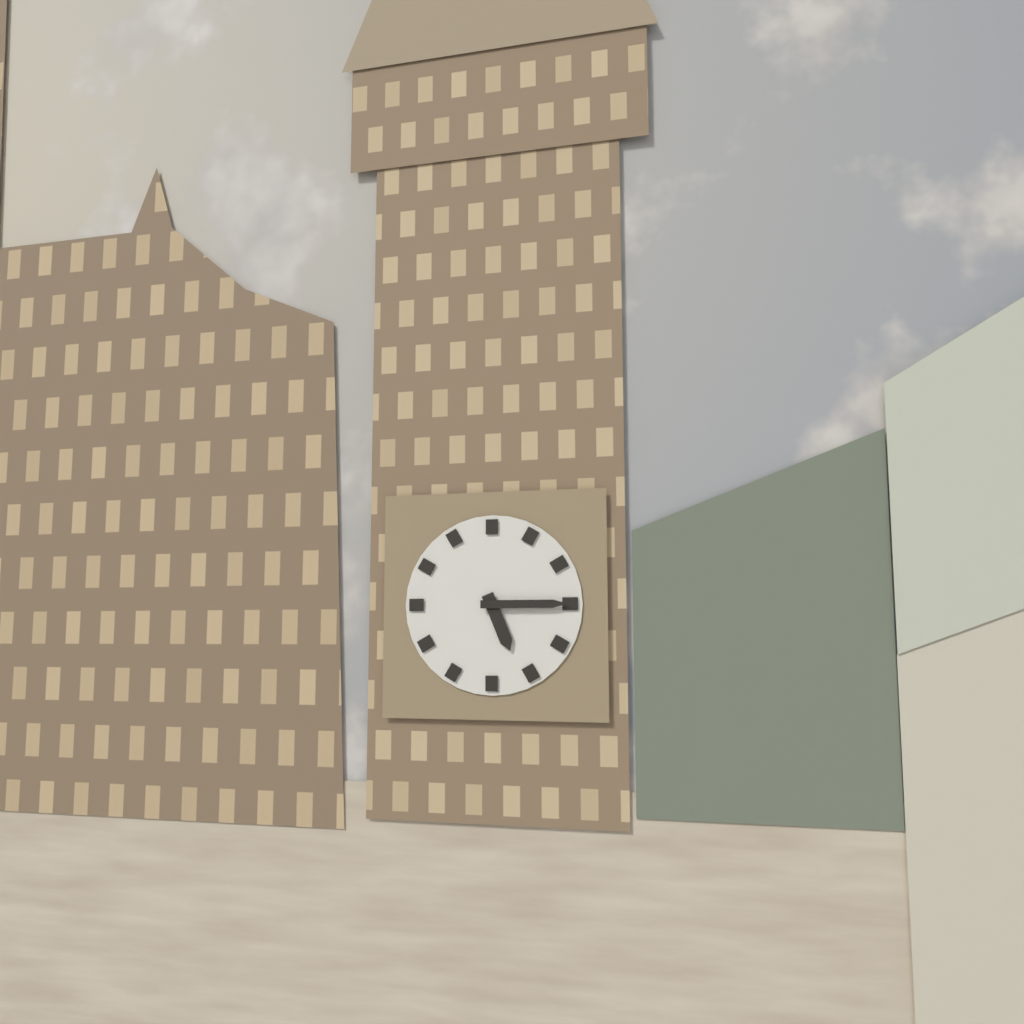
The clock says h=5 m=15
